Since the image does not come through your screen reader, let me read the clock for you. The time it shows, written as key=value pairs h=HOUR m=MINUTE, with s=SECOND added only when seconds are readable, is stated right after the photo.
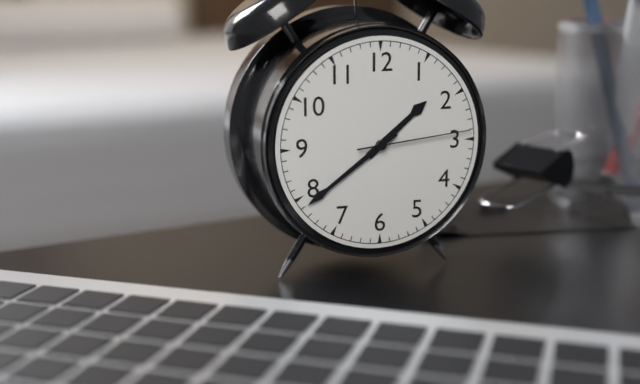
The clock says h=1 m=39 s=14
